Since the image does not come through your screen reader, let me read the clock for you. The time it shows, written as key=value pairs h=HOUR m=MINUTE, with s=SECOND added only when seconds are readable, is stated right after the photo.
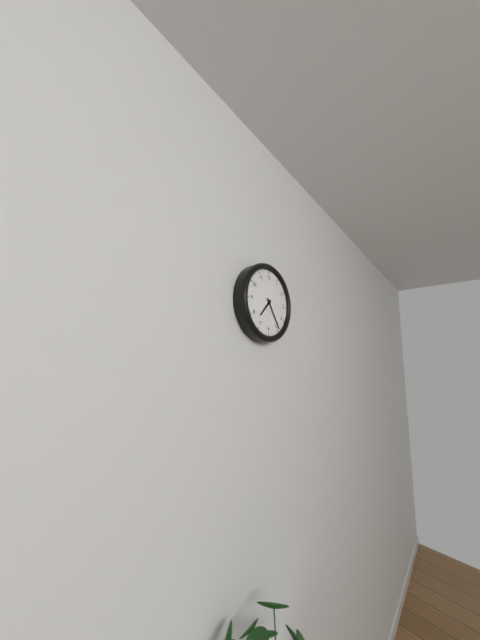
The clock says h=7 m=24
